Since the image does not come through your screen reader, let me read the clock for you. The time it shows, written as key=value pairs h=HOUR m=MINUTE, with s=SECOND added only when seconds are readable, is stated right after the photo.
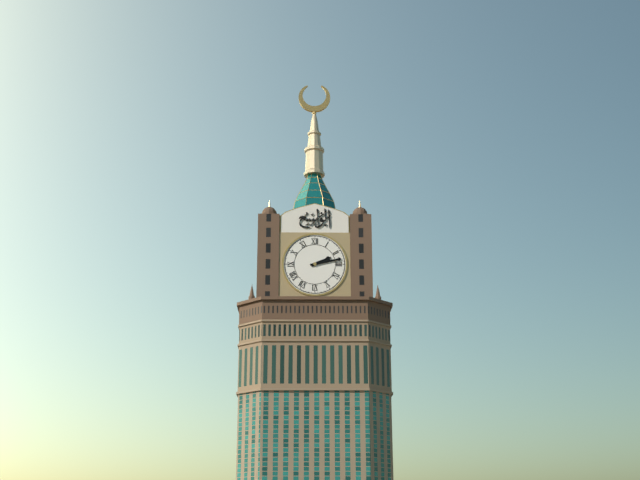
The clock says h=2 m=13
